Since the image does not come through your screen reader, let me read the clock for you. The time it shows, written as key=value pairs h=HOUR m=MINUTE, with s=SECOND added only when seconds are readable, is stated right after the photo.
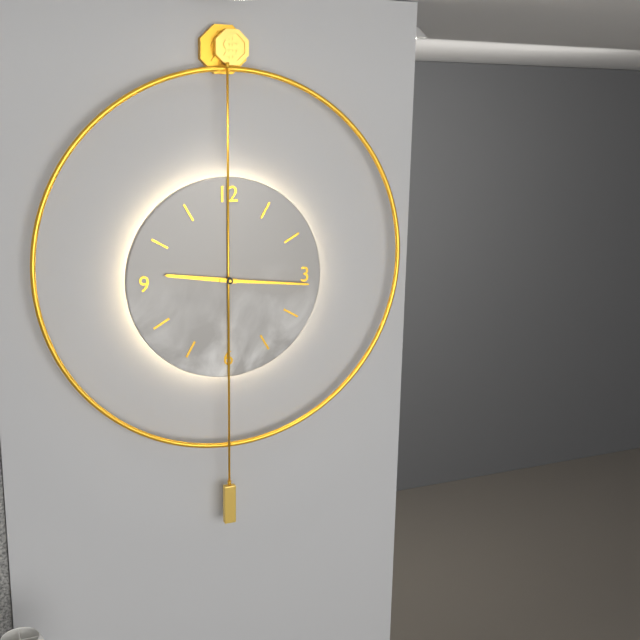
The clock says h=9 m=16
